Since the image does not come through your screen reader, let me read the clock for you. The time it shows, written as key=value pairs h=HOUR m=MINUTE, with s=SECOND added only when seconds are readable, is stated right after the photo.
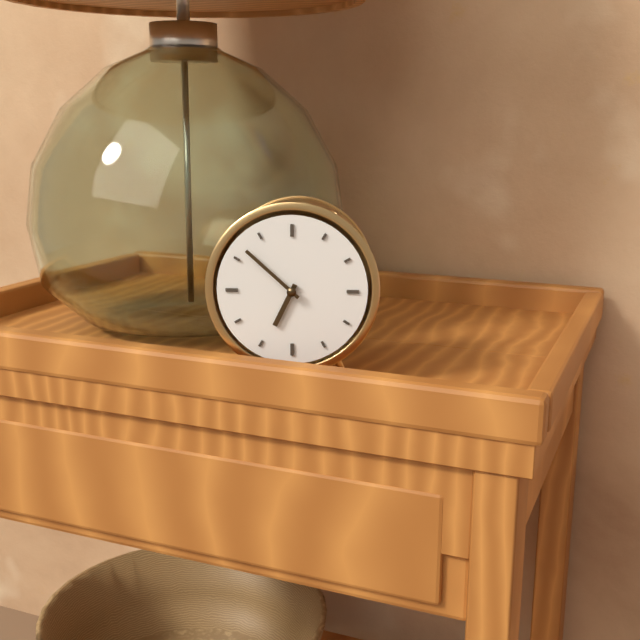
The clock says h=6 m=52
